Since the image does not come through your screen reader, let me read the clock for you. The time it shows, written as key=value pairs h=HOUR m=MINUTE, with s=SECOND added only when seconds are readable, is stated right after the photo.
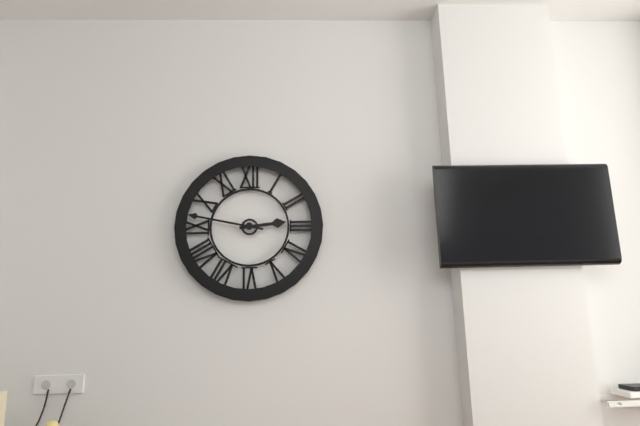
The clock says h=2 m=47
